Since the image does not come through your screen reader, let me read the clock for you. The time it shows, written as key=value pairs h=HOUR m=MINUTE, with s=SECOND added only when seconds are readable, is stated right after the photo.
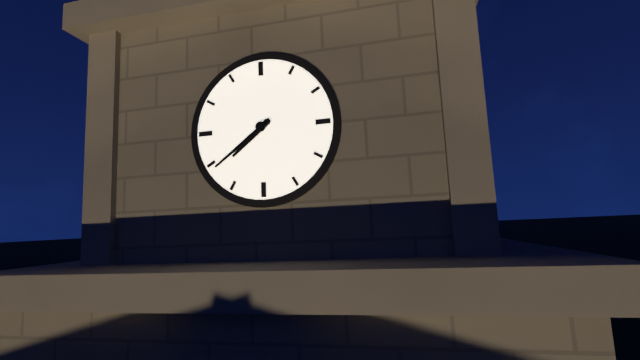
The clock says h=7 m=39
